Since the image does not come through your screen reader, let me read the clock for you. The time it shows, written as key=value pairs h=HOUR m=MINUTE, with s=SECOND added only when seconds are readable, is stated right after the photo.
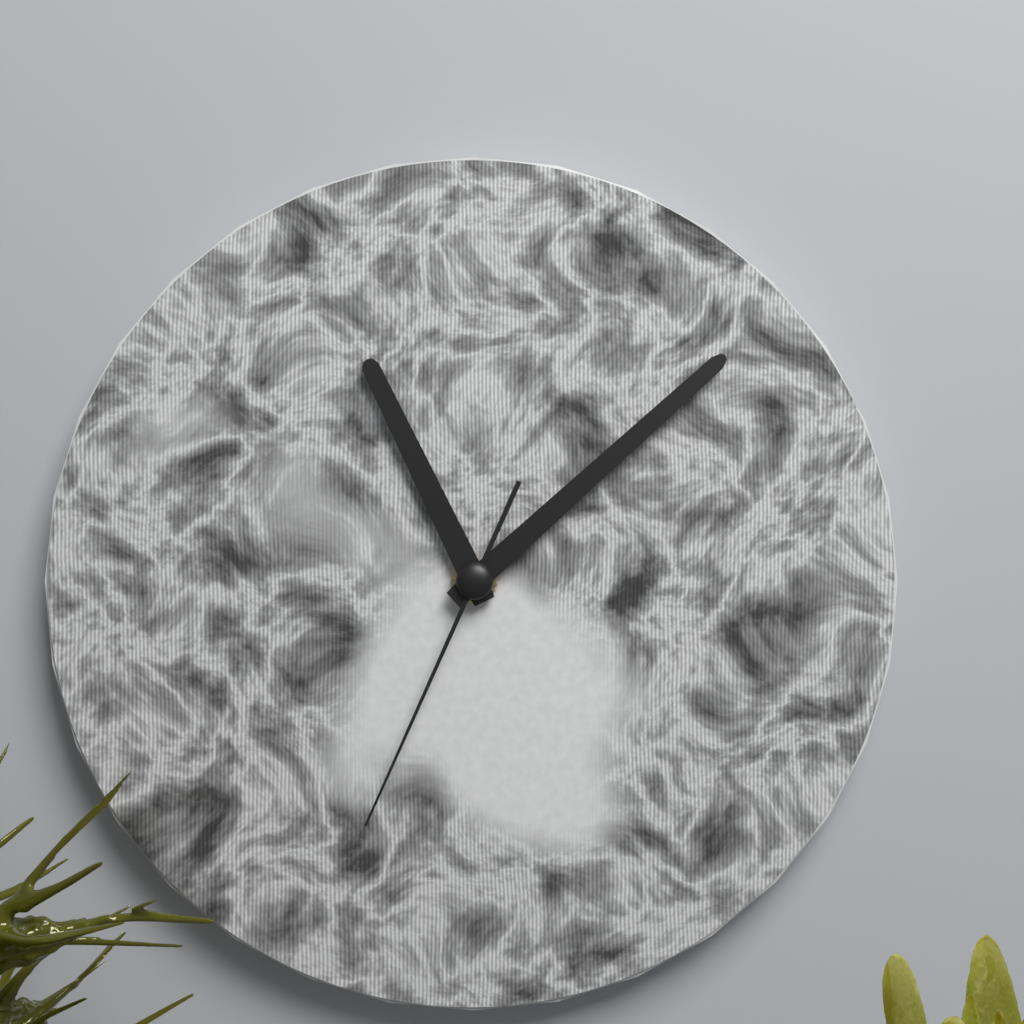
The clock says h=11 m=8 s=34
